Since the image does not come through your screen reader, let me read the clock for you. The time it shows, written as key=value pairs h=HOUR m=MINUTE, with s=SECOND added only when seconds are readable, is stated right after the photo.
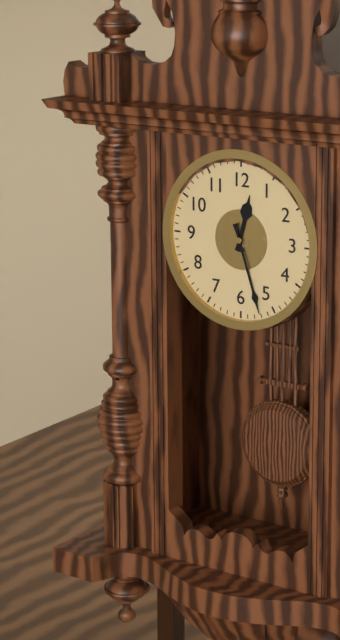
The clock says h=12 m=27
